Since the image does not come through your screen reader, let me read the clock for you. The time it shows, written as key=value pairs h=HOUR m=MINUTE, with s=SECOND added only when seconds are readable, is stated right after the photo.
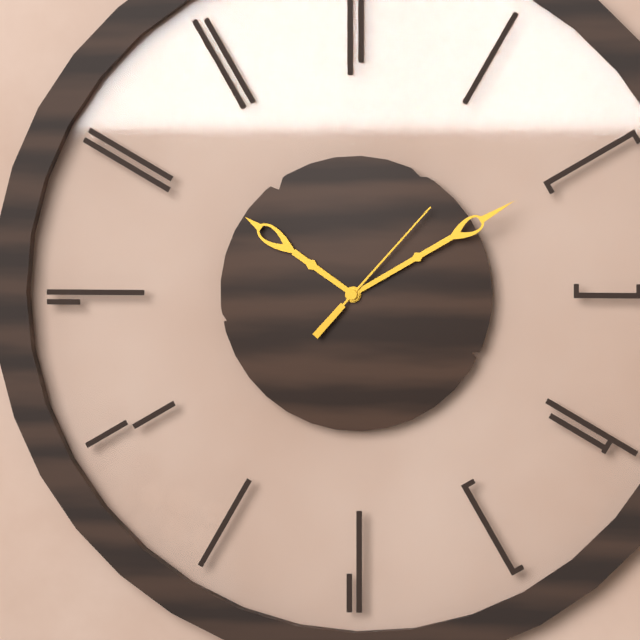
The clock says h=10 m=10 s=7
